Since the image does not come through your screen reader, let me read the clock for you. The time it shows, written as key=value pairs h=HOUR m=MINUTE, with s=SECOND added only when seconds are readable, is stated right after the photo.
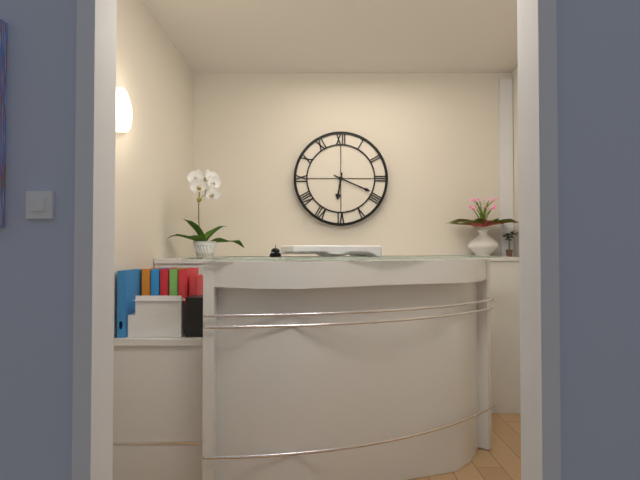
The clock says h=6 m=19
